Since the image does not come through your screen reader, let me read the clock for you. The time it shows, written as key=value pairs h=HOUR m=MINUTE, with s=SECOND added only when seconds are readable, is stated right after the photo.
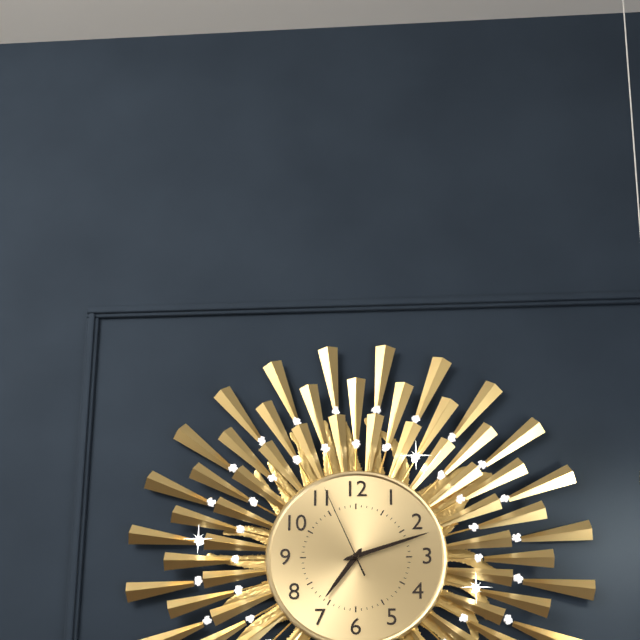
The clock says h=7 m=12 s=56
